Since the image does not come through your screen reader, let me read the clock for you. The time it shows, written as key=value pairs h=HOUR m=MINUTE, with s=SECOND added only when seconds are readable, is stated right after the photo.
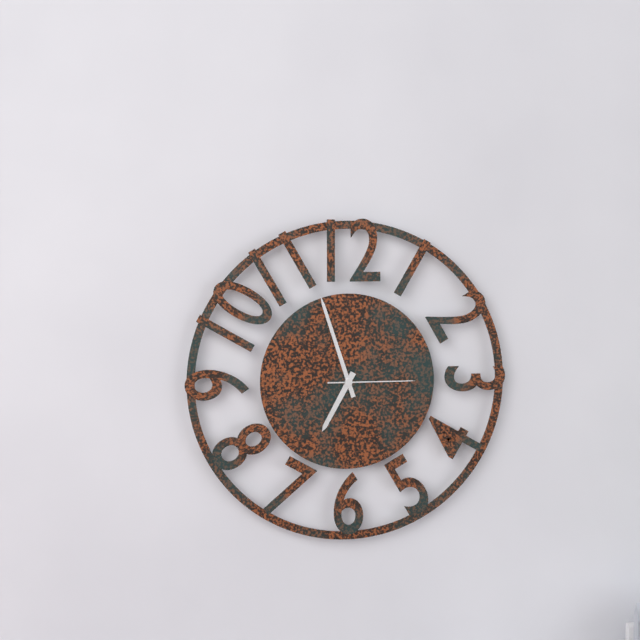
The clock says h=6 m=57 s=15
